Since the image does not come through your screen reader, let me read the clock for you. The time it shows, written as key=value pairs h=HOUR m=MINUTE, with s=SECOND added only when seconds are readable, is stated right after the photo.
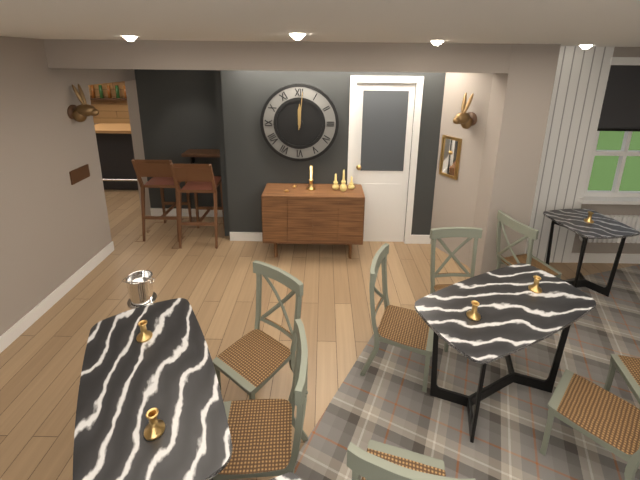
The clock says h=12 m=1
